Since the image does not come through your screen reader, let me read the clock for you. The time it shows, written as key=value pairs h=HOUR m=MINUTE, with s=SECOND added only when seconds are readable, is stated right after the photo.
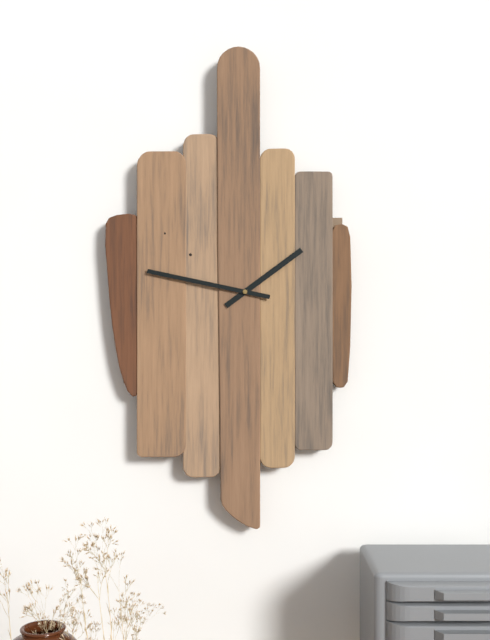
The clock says h=1 m=47
